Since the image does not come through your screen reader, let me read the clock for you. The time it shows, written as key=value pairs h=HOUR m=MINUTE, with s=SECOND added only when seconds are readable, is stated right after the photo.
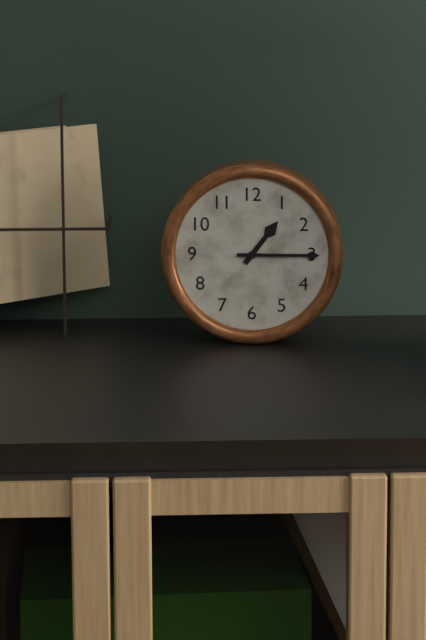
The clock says h=1 m=15
